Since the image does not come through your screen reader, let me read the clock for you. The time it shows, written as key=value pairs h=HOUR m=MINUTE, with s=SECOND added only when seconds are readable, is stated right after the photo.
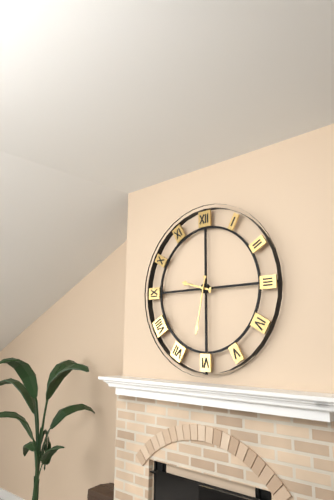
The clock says h=9 m=32
